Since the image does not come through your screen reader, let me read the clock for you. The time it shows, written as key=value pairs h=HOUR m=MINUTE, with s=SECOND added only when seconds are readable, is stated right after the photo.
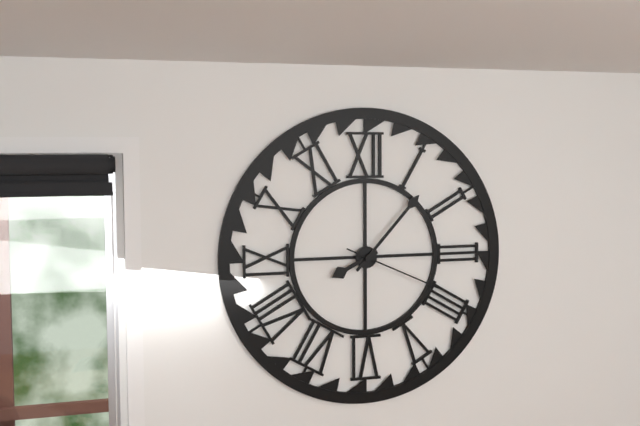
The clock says h=8 m=7 s=19
